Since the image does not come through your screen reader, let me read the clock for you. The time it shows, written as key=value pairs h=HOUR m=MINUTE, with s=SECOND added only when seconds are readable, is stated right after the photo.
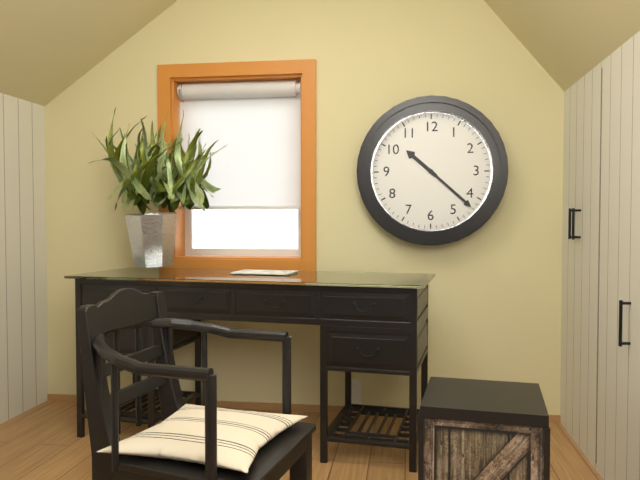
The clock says h=10 m=22
